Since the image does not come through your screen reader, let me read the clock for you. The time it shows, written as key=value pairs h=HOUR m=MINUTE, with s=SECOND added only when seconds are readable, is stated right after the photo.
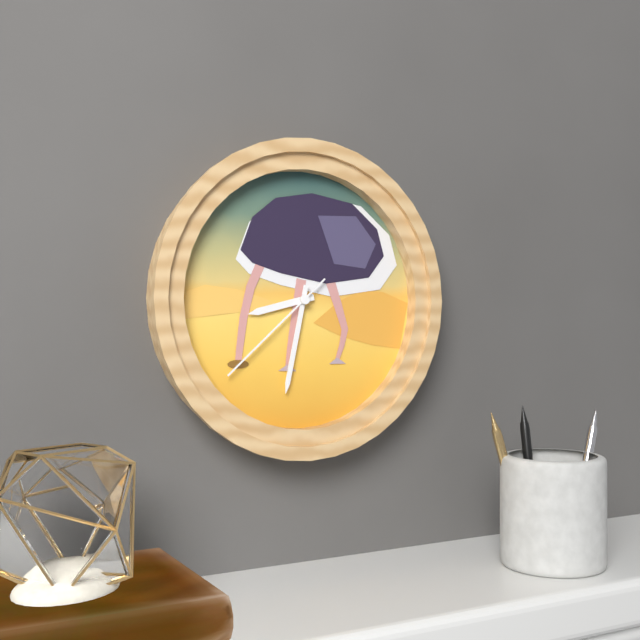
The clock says h=8 m=32 s=38
